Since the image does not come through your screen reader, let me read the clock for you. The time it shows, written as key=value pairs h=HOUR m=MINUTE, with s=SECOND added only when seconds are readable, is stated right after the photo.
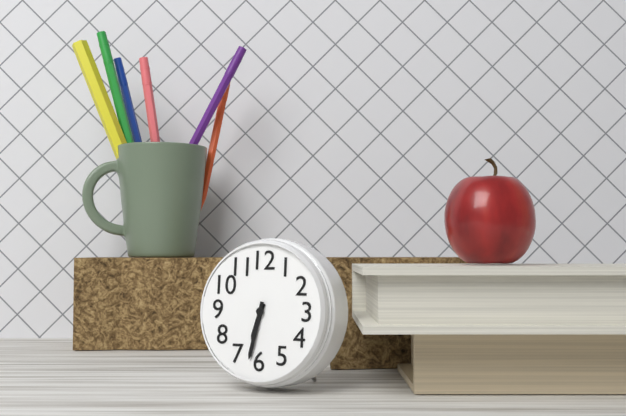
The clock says h=6 m=32
